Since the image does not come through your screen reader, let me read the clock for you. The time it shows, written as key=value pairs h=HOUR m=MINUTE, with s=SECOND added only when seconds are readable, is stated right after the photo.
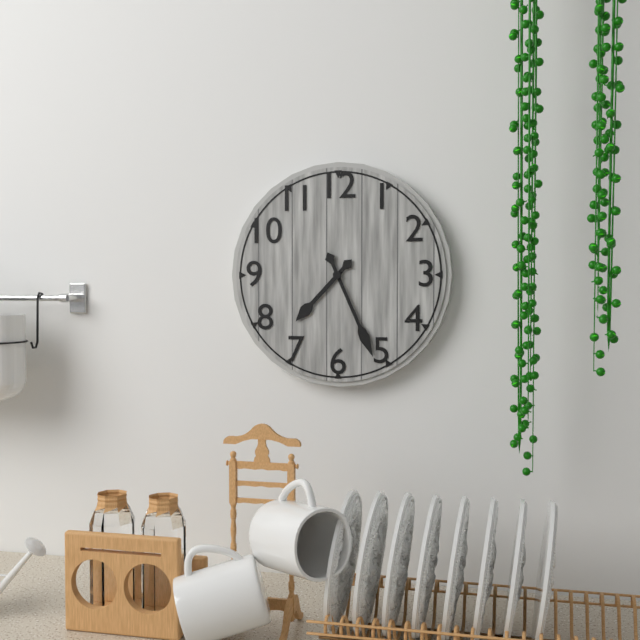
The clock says h=7 m=26
